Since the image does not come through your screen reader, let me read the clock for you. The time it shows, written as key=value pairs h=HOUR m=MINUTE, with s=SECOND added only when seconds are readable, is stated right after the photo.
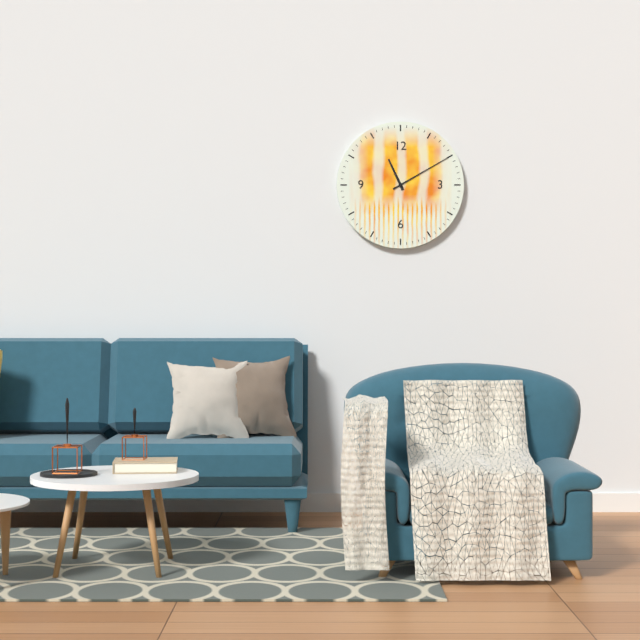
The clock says h=11 m=10
